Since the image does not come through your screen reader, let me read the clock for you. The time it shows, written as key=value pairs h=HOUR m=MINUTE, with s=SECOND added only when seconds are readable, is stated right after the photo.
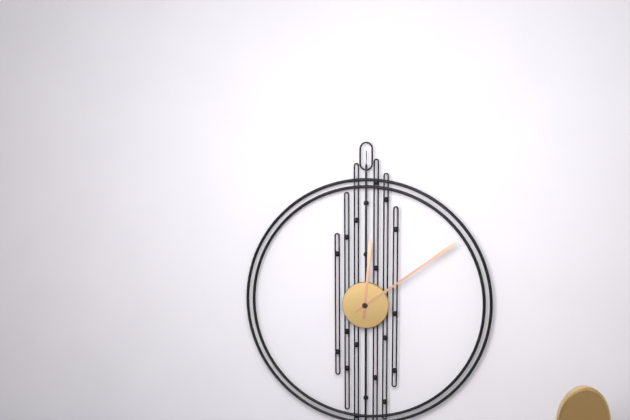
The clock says h=12 m=9
